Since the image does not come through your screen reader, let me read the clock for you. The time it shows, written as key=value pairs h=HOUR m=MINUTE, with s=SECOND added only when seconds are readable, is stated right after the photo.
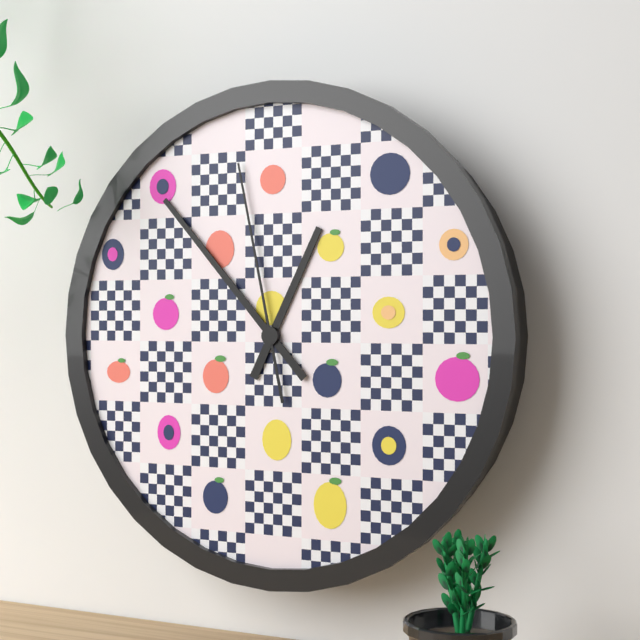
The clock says h=12 m=53 s=58
